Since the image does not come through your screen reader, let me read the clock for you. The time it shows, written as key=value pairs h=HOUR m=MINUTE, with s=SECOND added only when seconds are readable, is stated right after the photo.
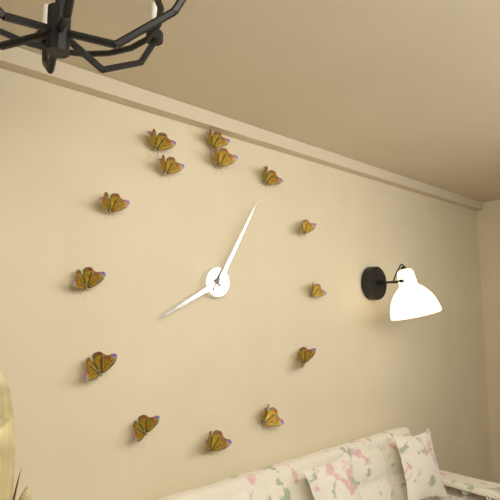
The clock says h=8 m=5
